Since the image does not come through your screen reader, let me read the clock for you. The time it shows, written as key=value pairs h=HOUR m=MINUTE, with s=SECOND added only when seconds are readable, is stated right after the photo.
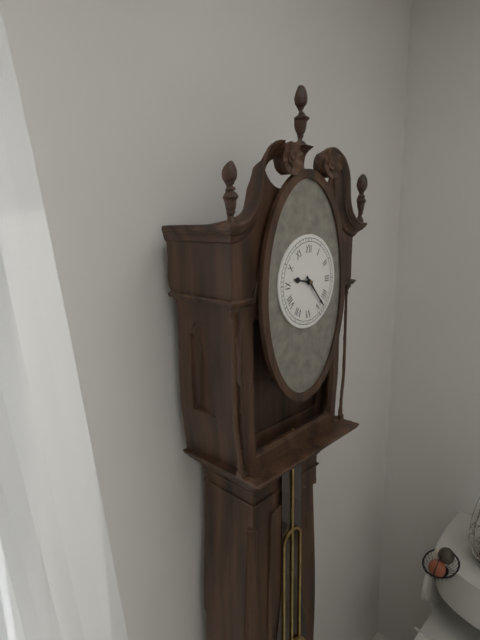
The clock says h=9 m=23
